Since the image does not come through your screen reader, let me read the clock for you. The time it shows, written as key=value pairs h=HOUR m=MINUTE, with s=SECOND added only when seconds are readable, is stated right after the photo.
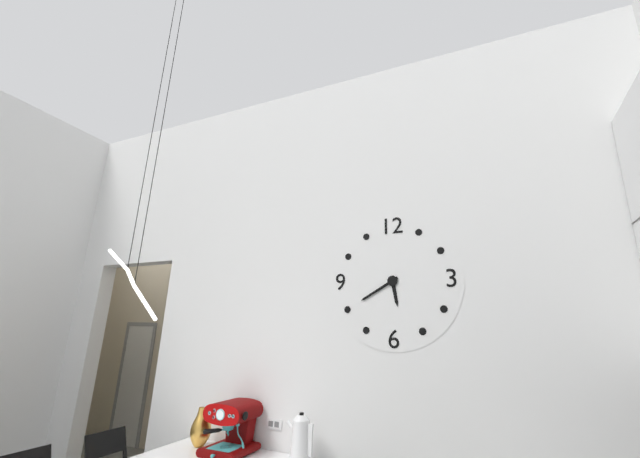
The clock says h=5 m=40
